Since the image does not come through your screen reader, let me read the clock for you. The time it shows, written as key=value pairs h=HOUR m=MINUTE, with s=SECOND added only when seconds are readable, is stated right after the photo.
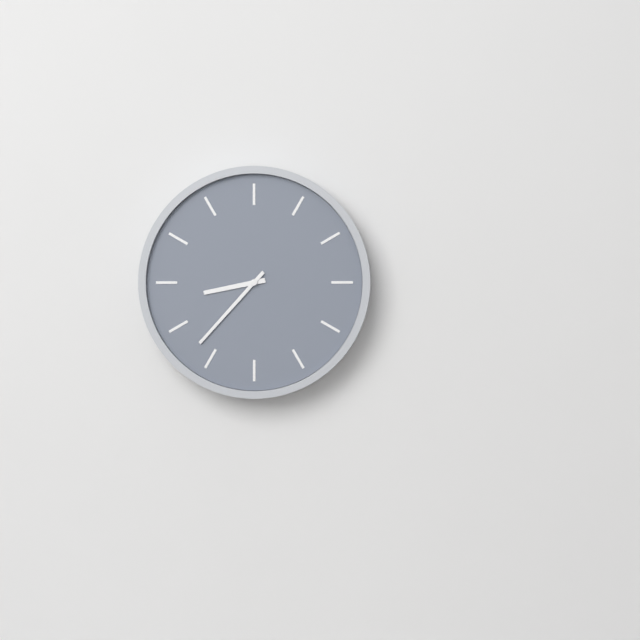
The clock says h=8 m=37
